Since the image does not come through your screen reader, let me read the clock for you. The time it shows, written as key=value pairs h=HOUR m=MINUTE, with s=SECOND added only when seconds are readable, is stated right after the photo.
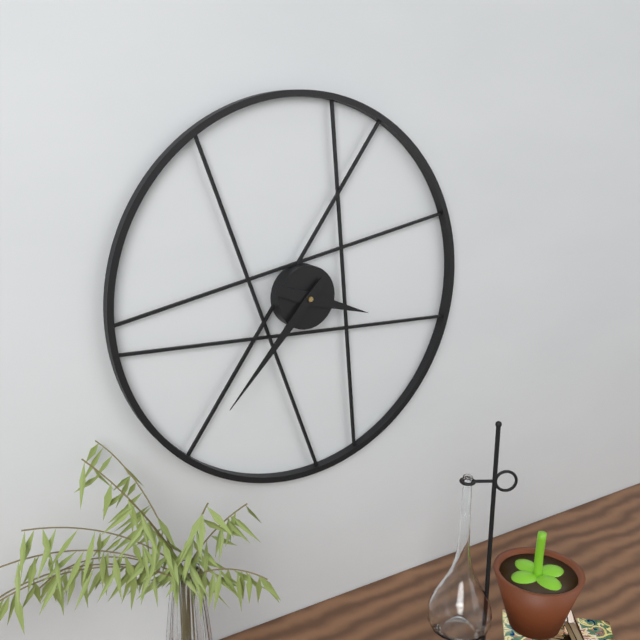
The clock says h=3 m=37
